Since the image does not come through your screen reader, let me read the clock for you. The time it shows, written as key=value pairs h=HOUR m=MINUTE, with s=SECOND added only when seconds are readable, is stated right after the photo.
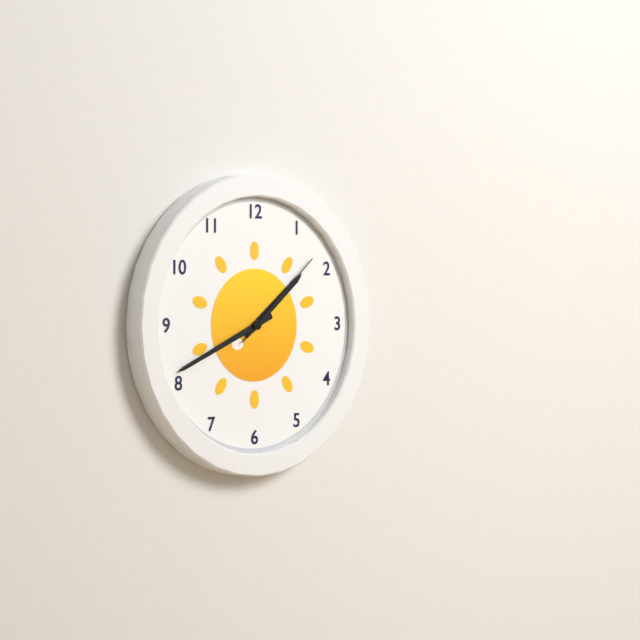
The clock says h=1 m=41 s=8
